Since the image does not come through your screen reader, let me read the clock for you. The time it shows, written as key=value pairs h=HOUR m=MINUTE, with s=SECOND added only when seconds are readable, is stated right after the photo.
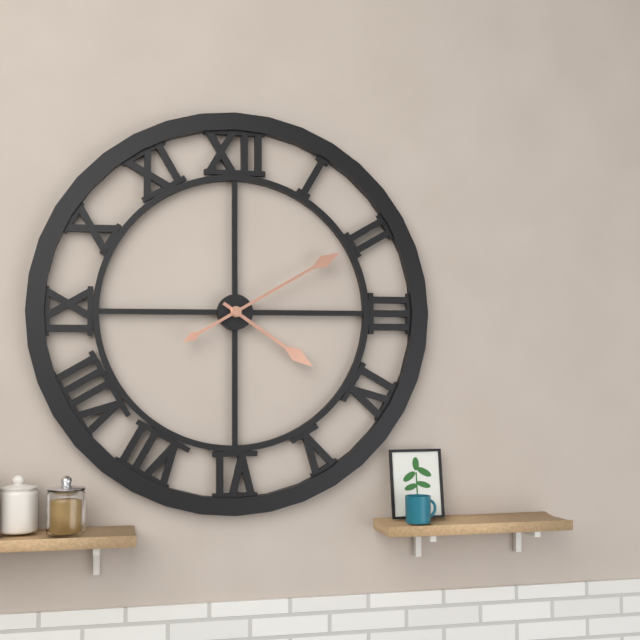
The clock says h=4 m=10
